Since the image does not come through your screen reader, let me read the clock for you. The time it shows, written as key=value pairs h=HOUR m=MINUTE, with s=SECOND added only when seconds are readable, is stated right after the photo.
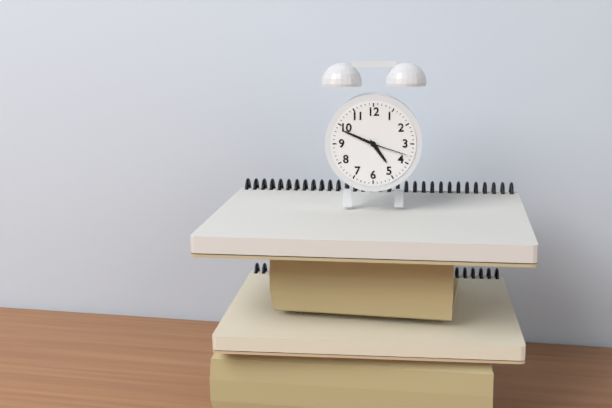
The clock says h=4 m=49
